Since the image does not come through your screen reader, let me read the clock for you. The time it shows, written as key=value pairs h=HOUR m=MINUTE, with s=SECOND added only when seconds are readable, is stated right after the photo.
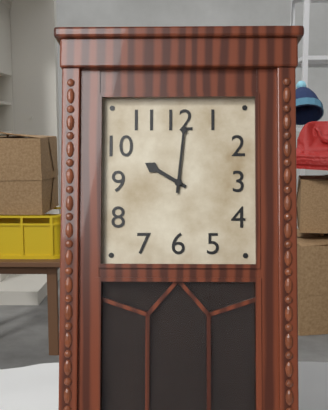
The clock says h=10 m=1
